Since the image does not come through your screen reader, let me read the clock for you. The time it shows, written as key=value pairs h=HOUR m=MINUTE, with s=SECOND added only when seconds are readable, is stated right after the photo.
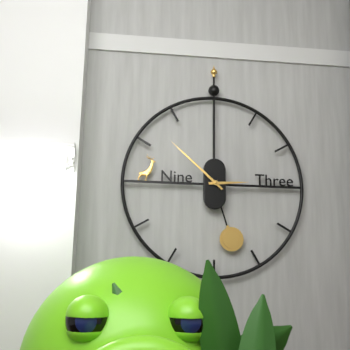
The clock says h=2 m=52
